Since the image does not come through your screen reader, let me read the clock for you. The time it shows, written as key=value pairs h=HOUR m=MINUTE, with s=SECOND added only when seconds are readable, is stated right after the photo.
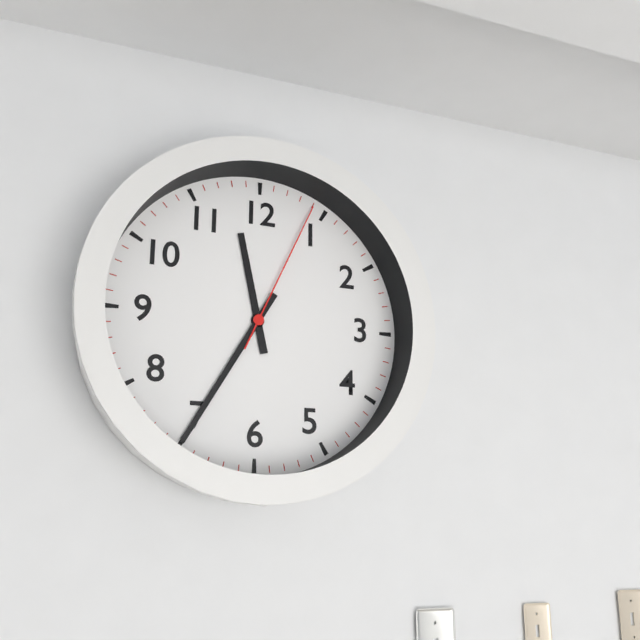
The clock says h=11 m=35 s=4
